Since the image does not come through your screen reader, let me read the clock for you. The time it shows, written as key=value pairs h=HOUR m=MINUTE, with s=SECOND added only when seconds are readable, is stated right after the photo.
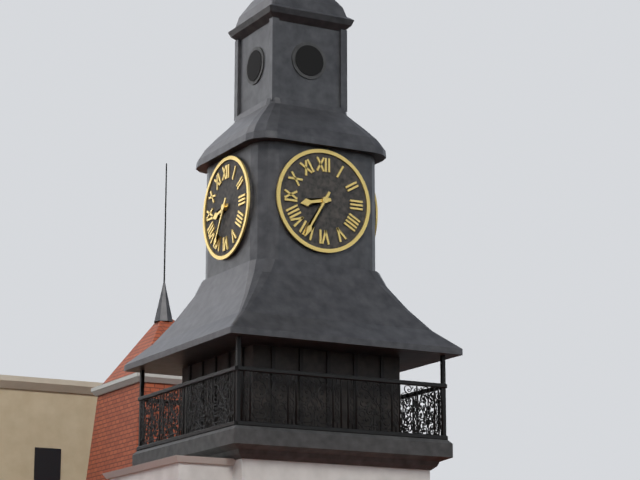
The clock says h=8 m=35
